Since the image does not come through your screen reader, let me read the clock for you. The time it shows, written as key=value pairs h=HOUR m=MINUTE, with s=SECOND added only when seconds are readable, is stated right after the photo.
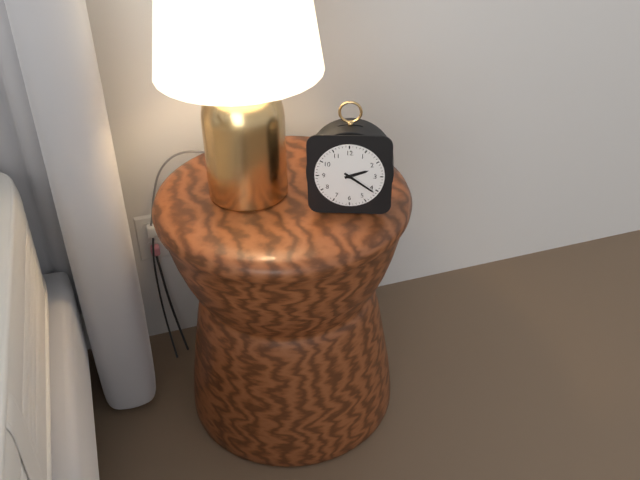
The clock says h=2 m=21
